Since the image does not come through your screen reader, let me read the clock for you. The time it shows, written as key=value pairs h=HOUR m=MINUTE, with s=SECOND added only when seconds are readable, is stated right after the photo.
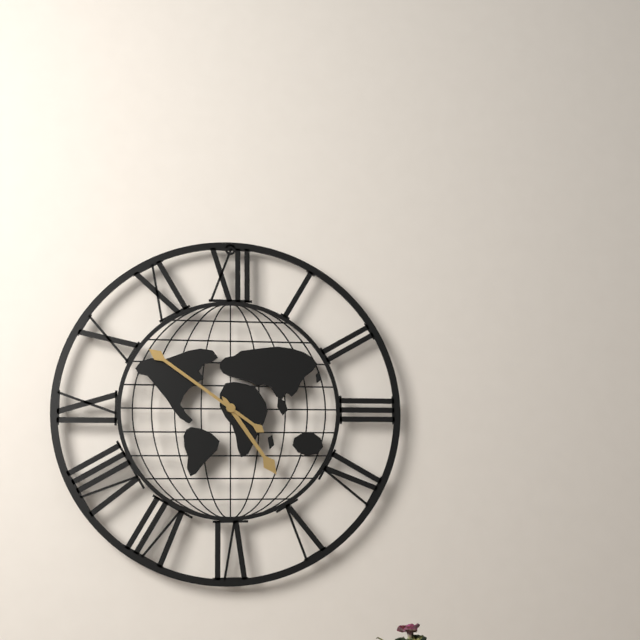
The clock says h=4 m=51
